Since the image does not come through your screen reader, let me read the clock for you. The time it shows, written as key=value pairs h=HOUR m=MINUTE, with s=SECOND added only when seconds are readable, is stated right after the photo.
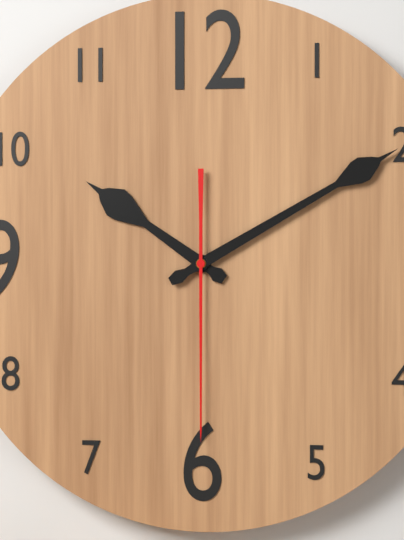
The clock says h=10 m=10 s=30
